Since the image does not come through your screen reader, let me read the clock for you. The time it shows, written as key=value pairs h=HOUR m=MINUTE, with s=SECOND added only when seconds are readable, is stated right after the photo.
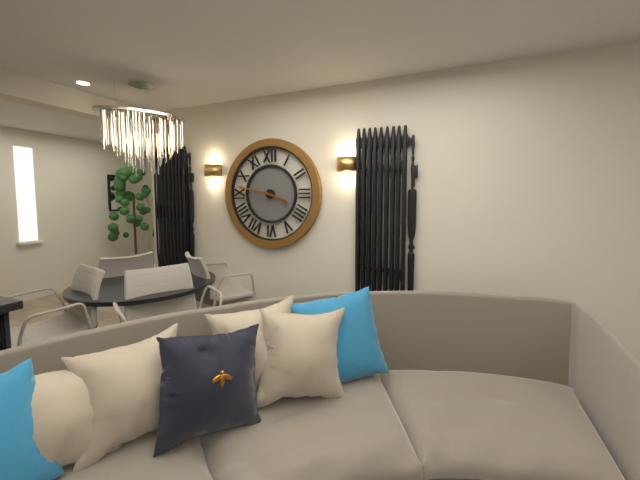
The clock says h=3 m=47
